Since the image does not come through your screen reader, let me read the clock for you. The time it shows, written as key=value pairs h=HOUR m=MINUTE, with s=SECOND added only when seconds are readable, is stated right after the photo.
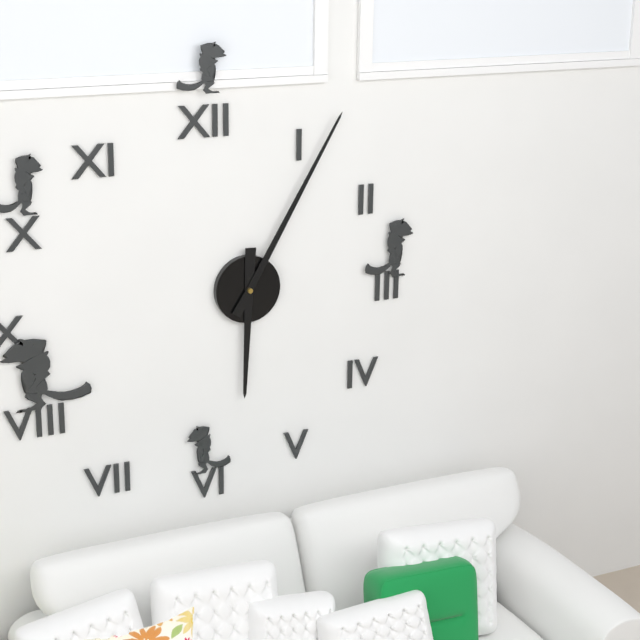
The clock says h=6 m=5
